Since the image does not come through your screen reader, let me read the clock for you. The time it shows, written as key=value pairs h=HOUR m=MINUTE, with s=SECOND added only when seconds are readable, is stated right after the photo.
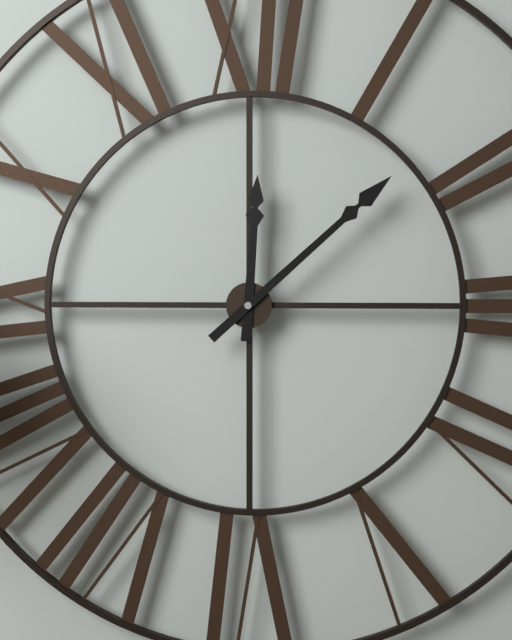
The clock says h=12 m=8
